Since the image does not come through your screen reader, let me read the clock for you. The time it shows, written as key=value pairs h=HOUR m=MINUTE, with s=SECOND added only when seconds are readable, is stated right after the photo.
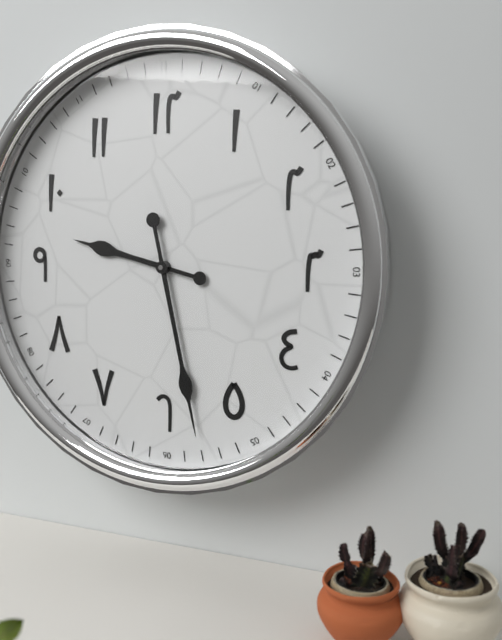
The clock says h=9 m=28
